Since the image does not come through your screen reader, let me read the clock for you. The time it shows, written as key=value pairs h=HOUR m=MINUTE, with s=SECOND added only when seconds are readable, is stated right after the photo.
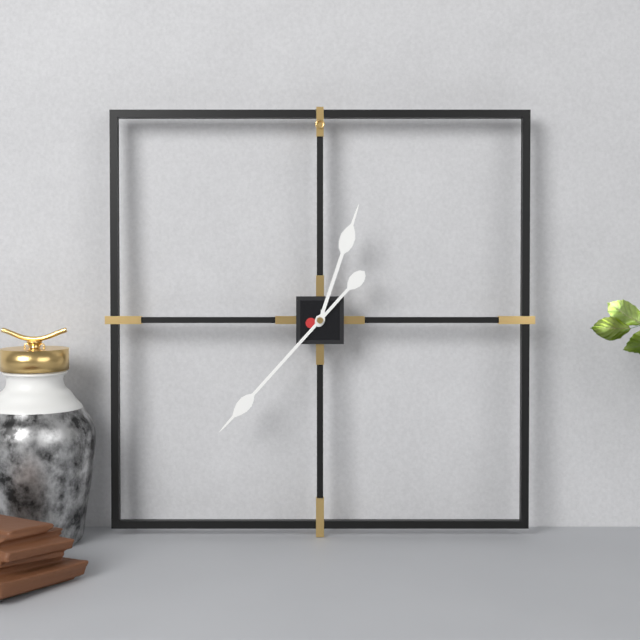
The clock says h=12 m=37
